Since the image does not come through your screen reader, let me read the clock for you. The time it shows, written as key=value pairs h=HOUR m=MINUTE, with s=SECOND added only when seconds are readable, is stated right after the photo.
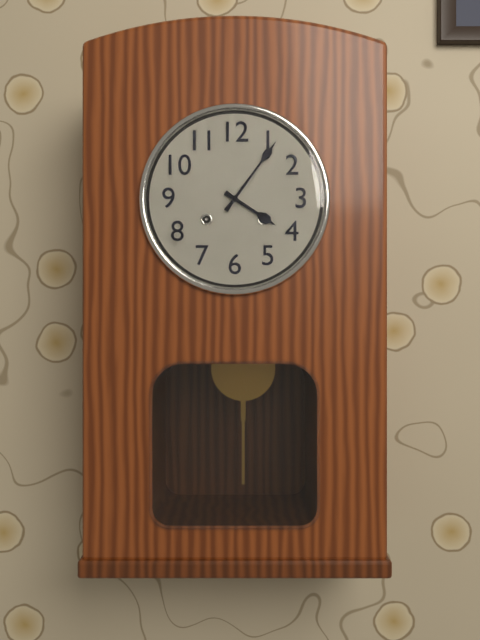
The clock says h=4 m=6
